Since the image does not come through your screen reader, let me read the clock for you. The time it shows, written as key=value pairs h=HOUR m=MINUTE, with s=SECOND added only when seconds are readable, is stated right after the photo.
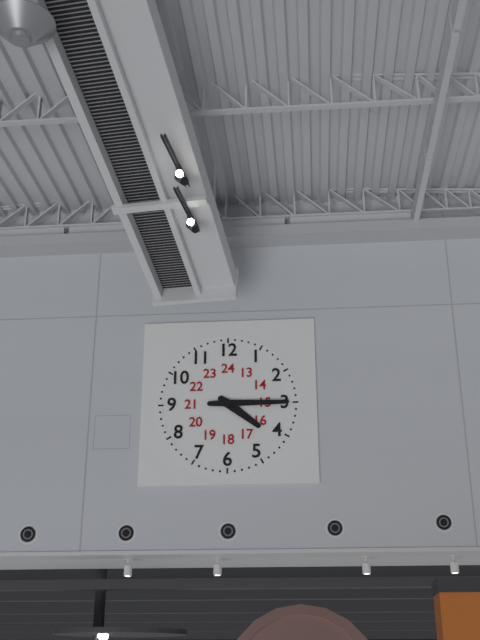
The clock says h=4 m=15
